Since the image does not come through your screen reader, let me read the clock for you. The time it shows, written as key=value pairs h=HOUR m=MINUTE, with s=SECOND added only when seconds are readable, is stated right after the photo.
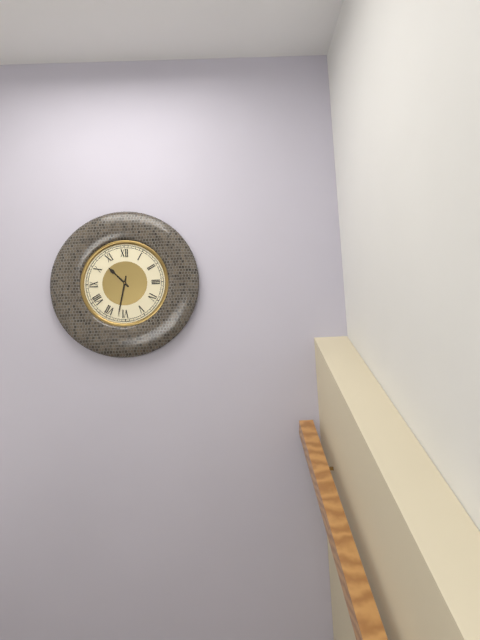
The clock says h=10 m=32
